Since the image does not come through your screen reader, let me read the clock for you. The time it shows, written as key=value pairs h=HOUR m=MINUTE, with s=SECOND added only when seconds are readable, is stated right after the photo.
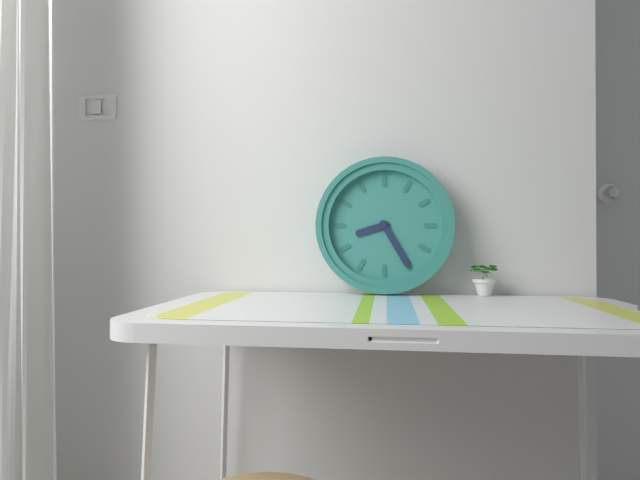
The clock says h=8 m=25
